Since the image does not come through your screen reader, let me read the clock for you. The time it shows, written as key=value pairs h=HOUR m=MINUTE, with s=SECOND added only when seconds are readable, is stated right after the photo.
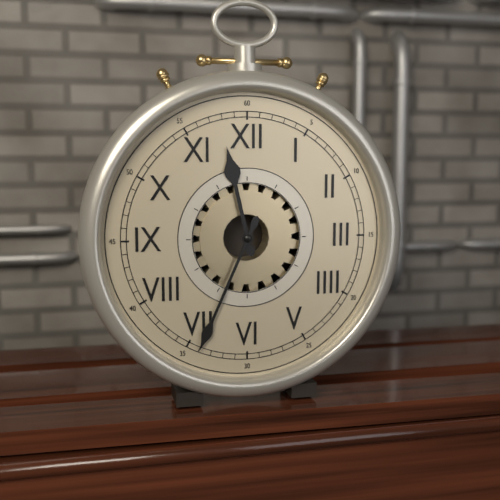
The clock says h=11 m=34
